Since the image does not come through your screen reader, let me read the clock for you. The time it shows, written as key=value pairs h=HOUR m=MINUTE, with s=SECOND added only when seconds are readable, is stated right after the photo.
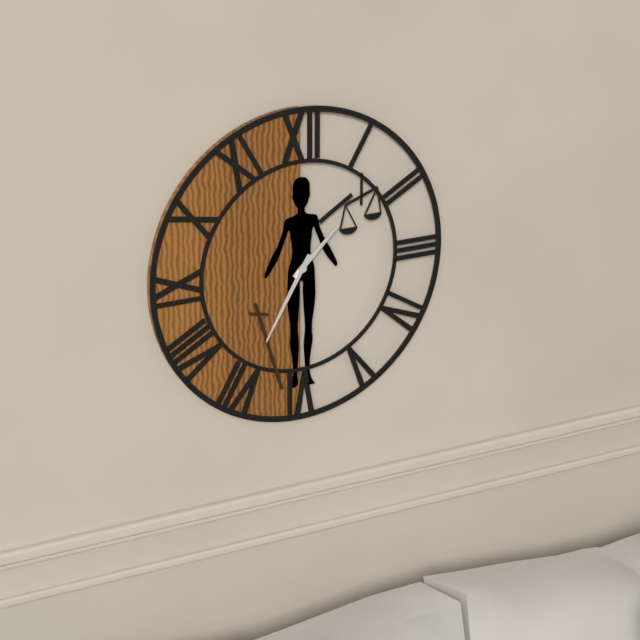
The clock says h=1 m=35
